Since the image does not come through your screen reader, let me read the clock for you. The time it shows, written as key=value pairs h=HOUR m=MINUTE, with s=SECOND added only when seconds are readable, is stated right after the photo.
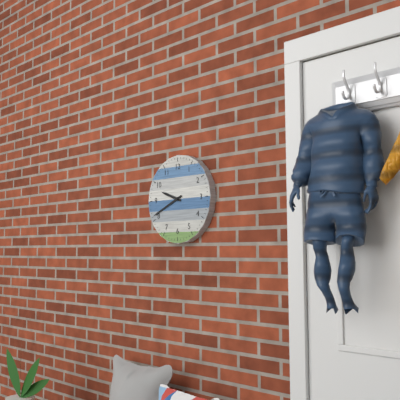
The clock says h=9 m=41
